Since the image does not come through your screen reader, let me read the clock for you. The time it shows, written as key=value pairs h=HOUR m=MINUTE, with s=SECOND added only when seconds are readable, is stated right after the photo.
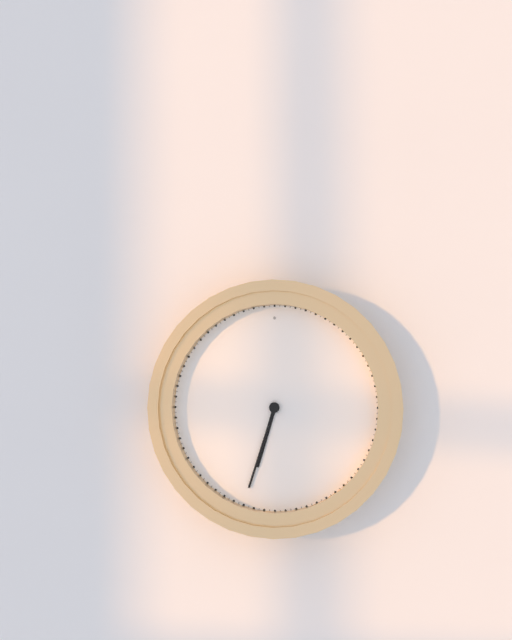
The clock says h=6 m=33
